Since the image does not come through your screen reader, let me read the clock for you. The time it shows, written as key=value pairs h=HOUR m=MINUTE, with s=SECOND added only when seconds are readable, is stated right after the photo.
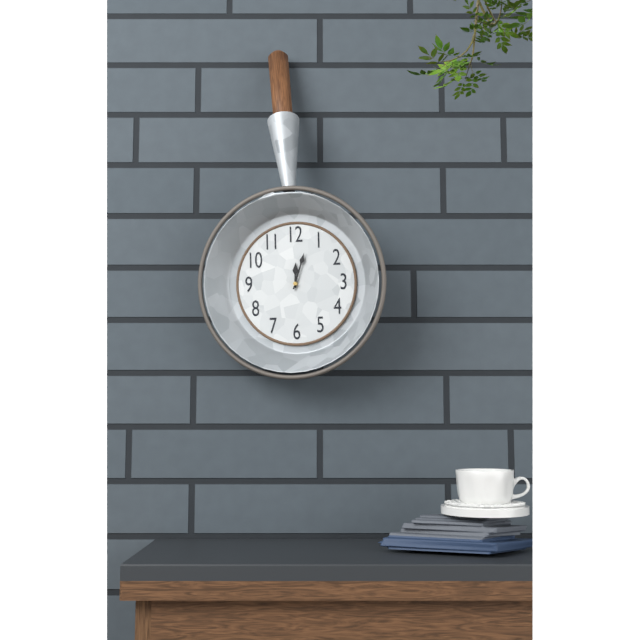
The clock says h=12 m=3
